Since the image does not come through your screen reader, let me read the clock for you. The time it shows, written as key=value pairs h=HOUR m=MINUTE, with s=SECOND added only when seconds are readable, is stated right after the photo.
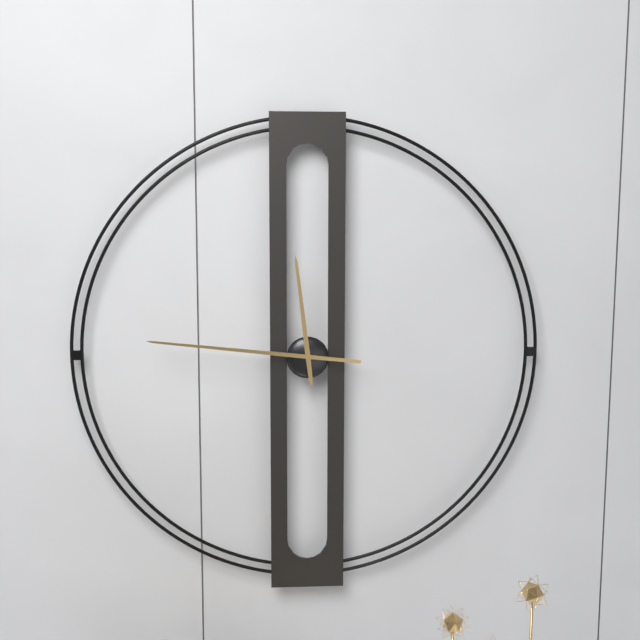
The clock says h=11 m=46
